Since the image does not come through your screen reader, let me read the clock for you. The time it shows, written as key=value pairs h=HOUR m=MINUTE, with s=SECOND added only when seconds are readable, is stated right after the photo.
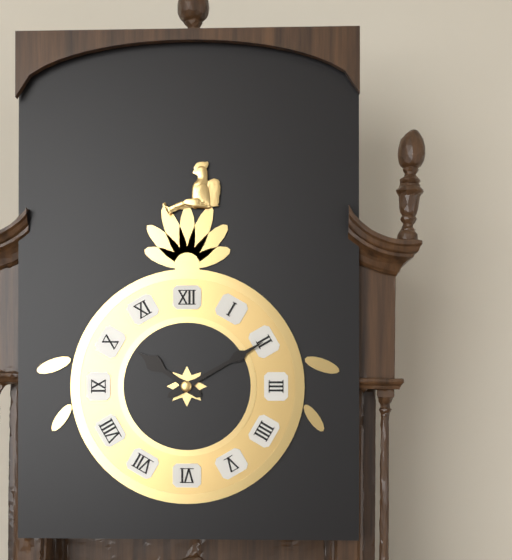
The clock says h=10 m=10
